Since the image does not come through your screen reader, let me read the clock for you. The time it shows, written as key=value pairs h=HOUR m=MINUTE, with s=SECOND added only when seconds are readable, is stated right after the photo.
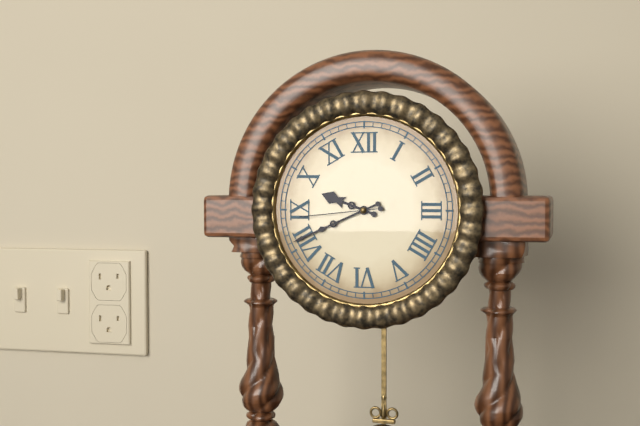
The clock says h=9 m=41 s=44
